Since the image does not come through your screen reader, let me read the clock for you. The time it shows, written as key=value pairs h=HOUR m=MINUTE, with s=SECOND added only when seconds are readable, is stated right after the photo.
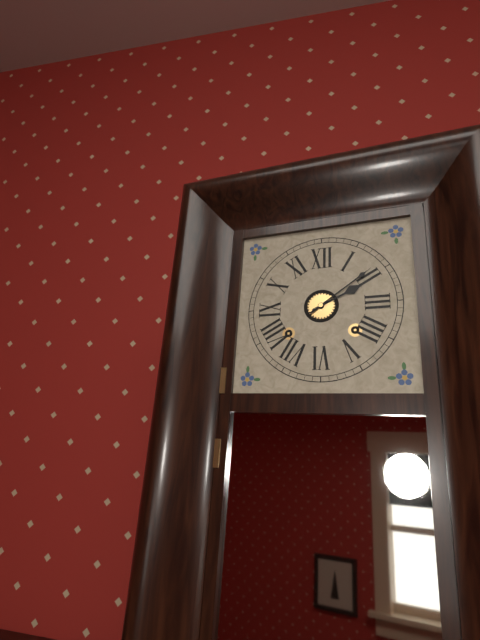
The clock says h=2 m=9
